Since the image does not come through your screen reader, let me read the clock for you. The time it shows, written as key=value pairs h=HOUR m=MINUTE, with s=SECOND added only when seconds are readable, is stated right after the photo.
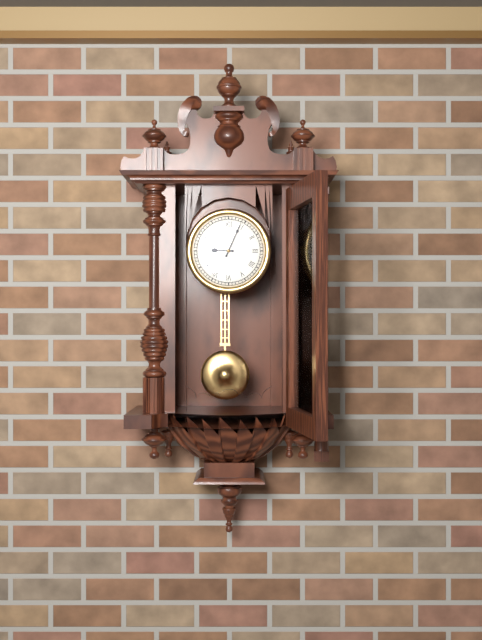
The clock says h=9 m=4
